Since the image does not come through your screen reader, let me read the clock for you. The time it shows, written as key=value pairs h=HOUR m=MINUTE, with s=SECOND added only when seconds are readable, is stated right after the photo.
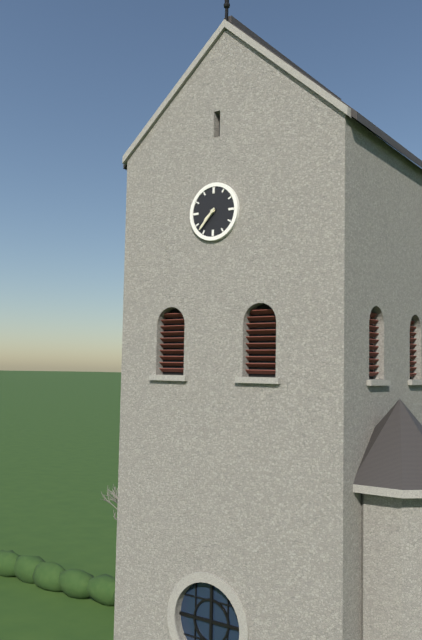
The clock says h=7 m=37
